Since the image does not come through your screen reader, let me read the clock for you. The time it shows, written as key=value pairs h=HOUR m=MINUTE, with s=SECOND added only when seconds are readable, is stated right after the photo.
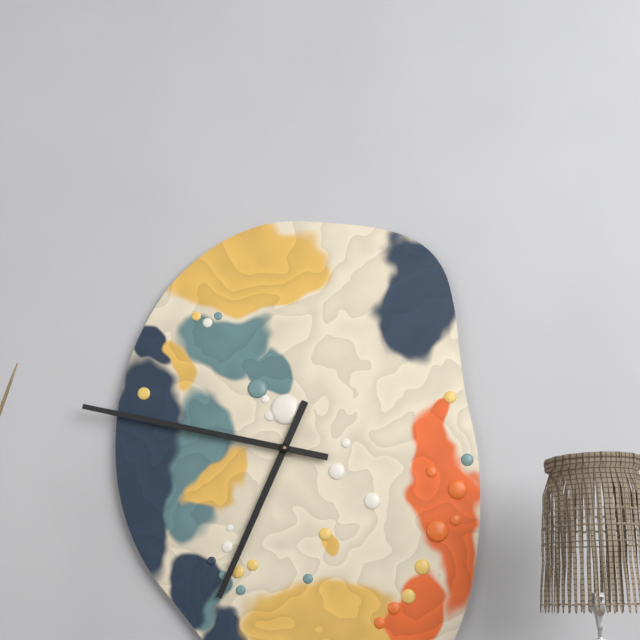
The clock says h=6 m=47
